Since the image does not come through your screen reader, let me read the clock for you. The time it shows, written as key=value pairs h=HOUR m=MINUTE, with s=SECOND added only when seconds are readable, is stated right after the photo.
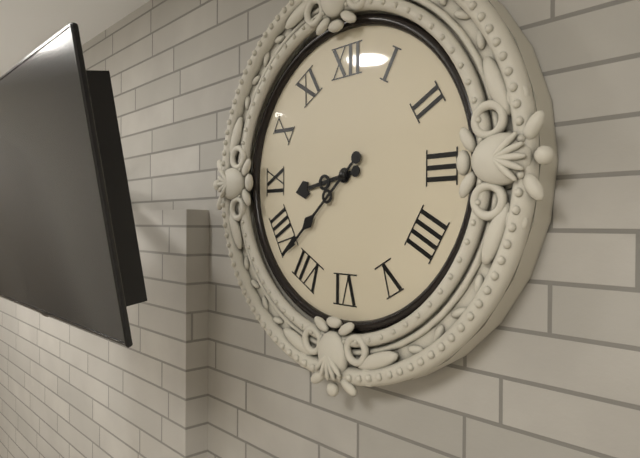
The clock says h=8 m=38
